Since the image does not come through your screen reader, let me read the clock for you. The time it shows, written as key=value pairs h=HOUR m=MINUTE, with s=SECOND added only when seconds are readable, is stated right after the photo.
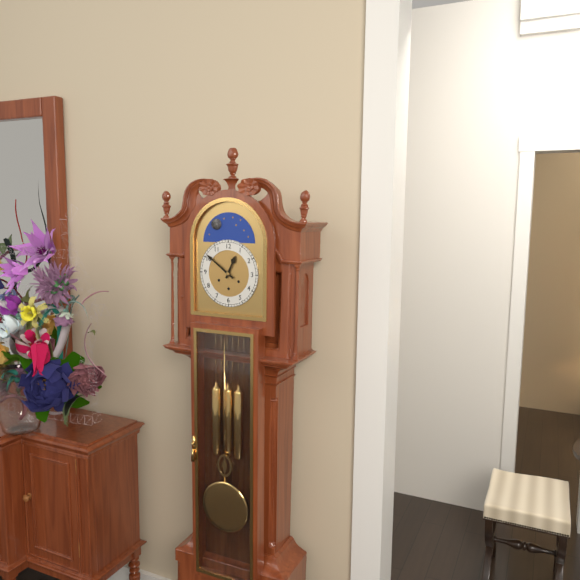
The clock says h=12 m=51
